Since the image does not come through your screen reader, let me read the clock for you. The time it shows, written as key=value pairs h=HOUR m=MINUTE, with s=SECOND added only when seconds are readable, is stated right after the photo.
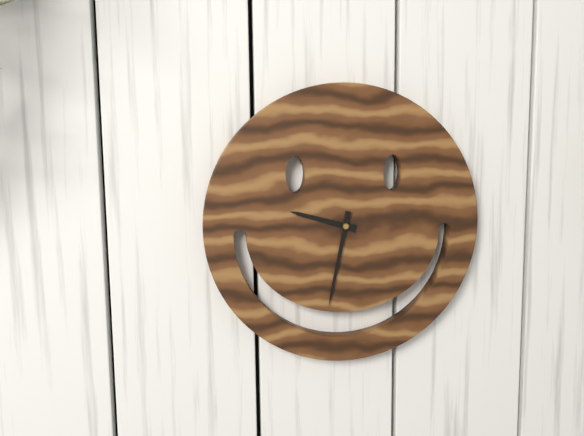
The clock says h=9 m=32
